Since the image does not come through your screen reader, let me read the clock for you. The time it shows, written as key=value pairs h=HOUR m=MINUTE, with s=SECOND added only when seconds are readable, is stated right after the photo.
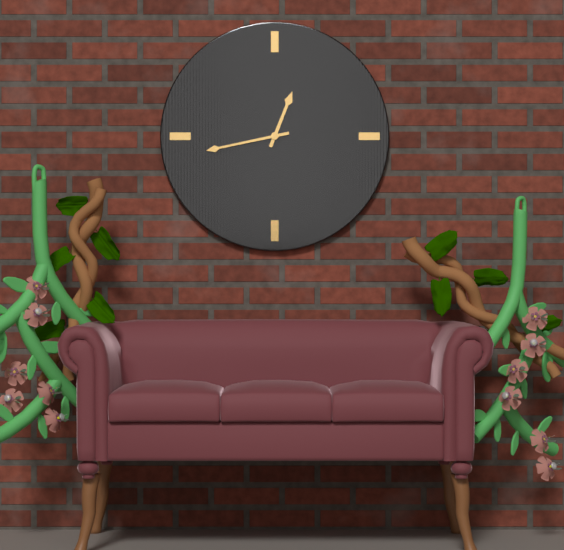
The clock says h=12 m=43
